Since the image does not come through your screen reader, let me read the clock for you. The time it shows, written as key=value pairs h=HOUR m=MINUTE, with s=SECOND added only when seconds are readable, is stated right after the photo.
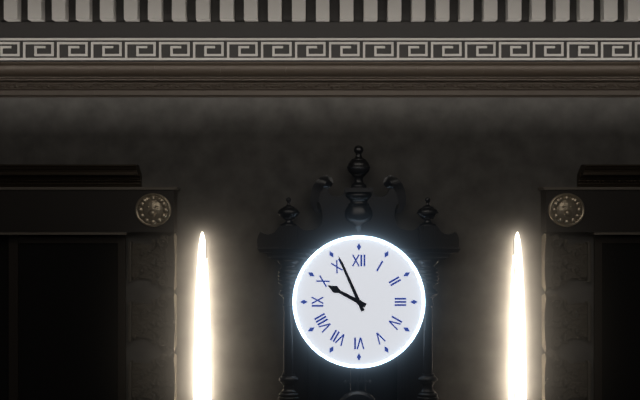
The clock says h=9 m=56
